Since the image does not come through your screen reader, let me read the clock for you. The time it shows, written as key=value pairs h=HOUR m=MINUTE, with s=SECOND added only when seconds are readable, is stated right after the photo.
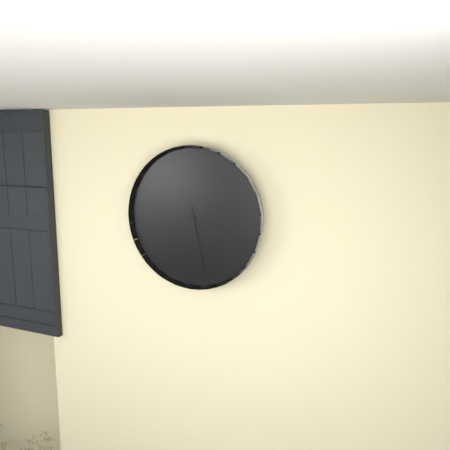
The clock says h=3 m=28
